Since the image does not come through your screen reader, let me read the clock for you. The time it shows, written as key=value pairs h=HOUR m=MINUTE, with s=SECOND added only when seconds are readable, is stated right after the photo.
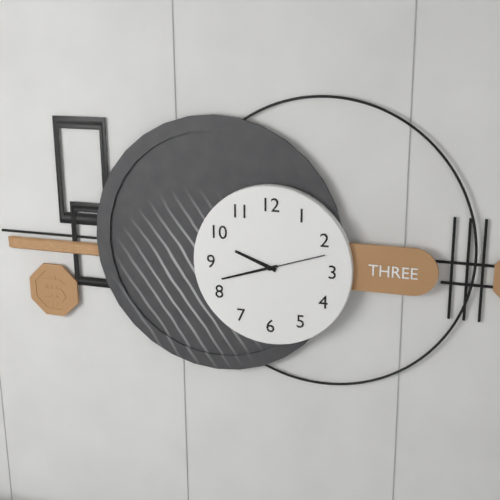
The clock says h=9 m=42 s=12
